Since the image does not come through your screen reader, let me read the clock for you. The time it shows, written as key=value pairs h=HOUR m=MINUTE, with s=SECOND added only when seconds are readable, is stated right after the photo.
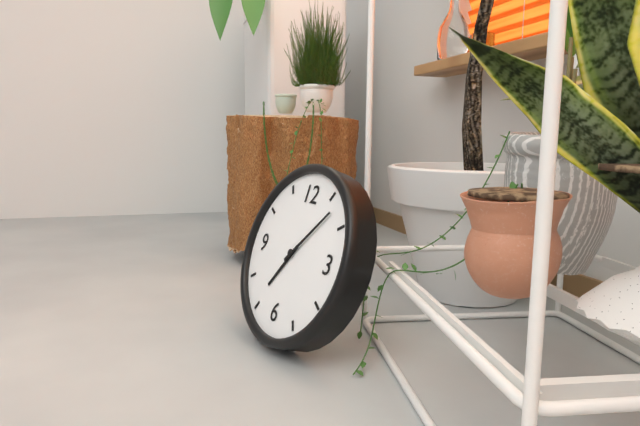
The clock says h=7 m=7
